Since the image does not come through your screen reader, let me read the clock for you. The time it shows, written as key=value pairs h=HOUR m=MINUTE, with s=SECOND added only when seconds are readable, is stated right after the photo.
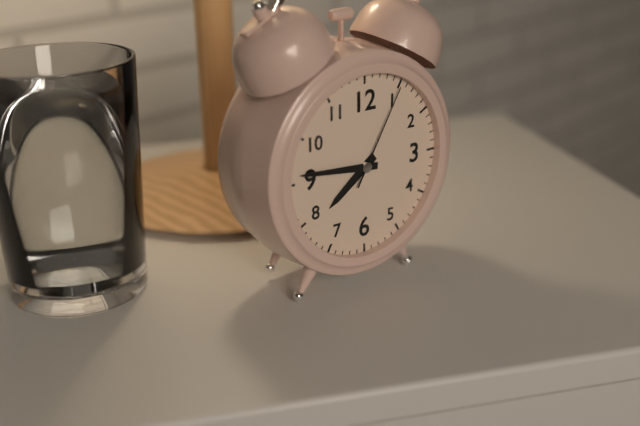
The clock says h=7 m=46 s=5
